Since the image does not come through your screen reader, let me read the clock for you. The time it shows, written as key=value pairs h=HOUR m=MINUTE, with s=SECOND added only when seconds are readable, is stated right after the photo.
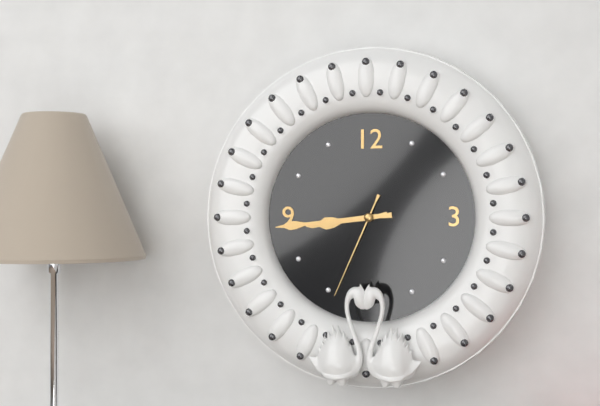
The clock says h=8 m=44 s=34
